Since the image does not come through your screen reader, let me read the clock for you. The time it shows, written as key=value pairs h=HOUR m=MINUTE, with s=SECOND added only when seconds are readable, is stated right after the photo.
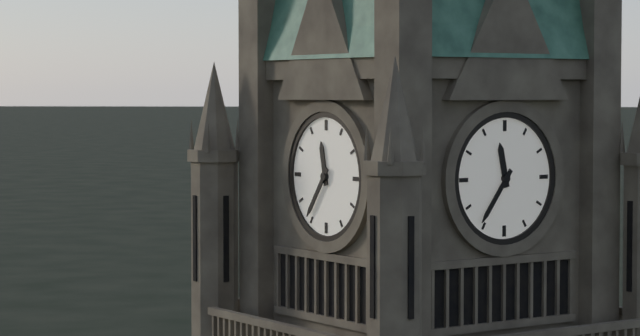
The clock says h=11 m=36
